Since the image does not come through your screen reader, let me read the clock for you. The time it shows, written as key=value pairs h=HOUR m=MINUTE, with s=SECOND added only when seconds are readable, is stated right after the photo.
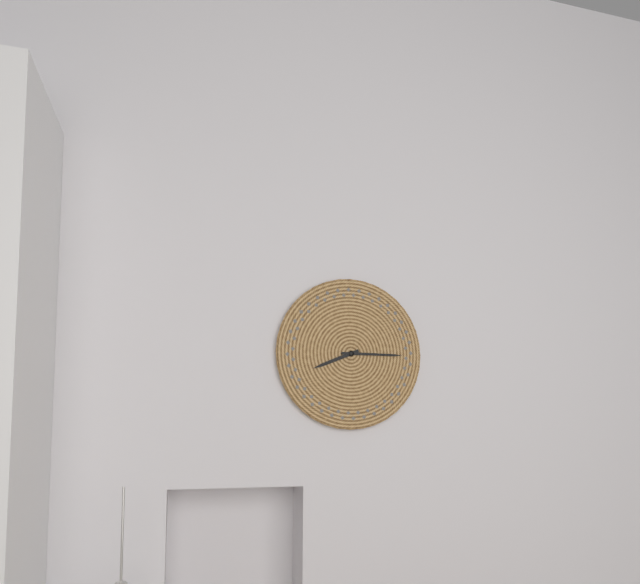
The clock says h=8 m=15
